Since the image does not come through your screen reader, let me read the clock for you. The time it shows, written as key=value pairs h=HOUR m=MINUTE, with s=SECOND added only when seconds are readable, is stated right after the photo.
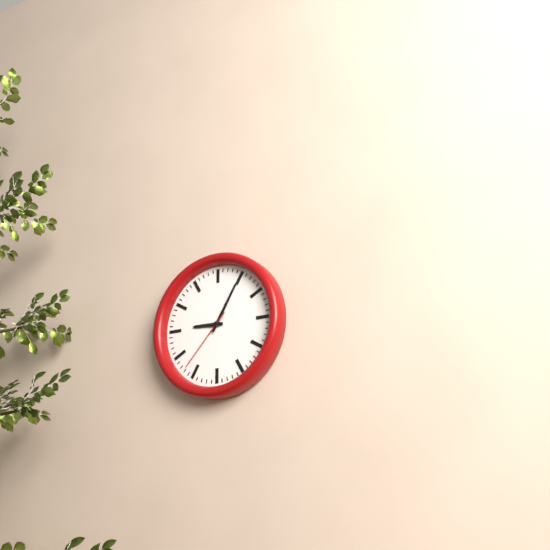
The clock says h=9 m=5 s=37
